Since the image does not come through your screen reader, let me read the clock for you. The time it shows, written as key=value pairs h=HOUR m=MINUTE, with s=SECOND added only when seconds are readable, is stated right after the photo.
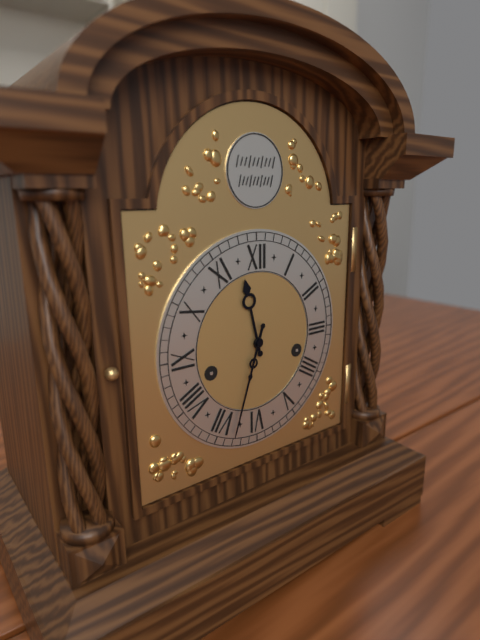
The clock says h=11 m=33
